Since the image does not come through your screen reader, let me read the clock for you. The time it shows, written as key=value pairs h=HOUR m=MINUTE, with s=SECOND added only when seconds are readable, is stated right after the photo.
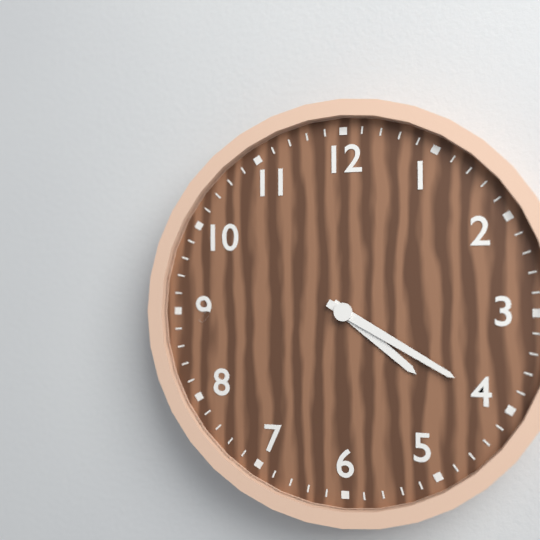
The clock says h=4 m=20
